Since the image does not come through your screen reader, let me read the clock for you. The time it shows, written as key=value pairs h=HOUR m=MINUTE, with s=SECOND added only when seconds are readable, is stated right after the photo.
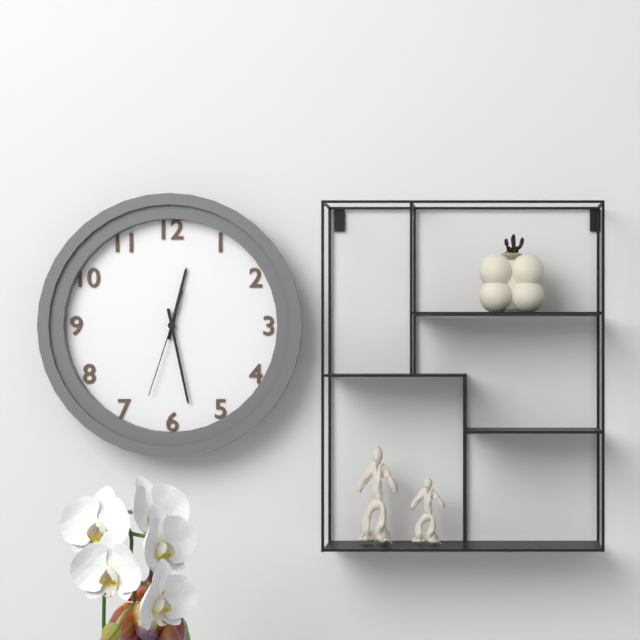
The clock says h=12 m=28 s=33
